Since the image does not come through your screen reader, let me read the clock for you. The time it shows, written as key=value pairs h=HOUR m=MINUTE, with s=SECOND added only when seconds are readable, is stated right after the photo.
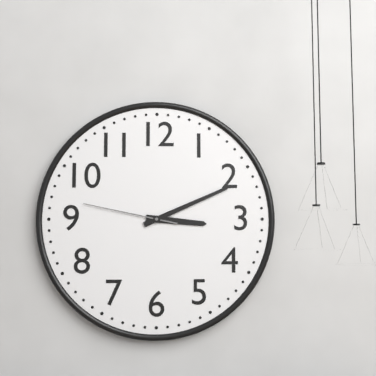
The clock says h=3 m=11 s=47
